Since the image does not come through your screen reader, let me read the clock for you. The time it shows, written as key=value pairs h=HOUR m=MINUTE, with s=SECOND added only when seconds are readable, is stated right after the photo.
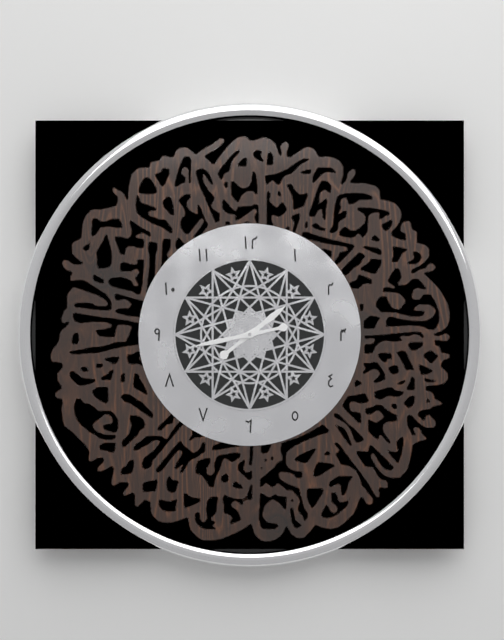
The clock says h=1 m=43
